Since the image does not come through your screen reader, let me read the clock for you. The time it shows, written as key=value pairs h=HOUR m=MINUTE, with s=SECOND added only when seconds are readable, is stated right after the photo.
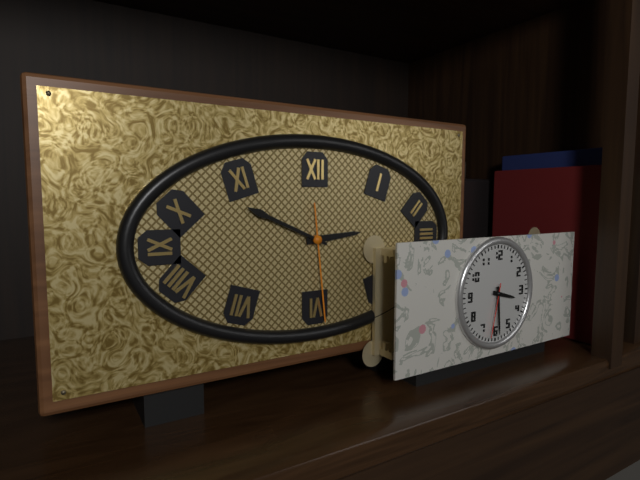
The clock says h=2 m=49 s=29
